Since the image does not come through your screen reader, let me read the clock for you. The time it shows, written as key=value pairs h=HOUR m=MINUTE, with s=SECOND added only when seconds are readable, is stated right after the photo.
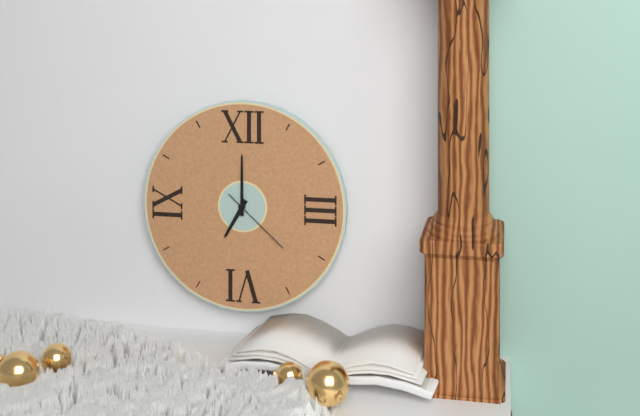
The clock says h=7 m=0 s=22
